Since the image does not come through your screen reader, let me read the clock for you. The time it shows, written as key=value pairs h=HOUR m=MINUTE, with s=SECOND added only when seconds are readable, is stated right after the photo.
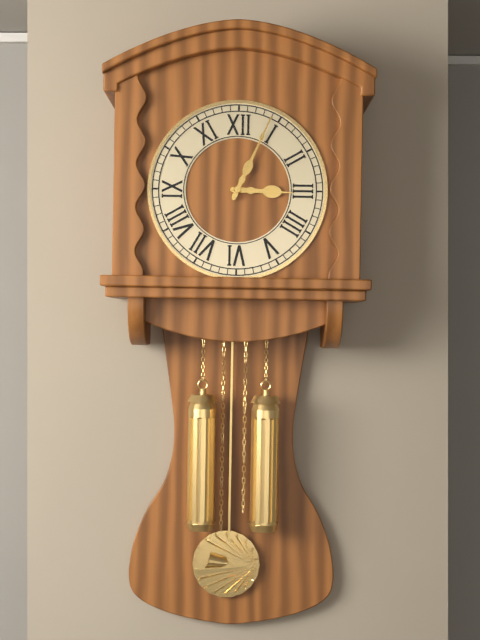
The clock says h=3 m=4
